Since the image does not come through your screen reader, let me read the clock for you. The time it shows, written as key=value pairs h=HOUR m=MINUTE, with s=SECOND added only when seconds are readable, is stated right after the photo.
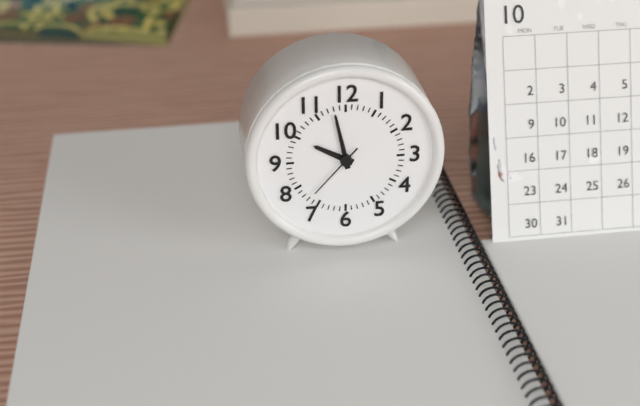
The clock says h=9 m=58 s=37
